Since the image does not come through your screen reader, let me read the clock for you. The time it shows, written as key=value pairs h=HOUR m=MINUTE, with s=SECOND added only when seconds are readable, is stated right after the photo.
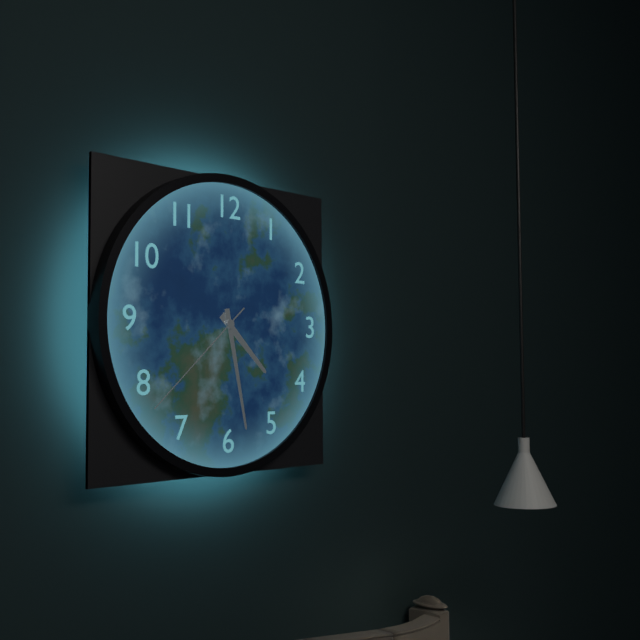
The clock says h=4 m=28 s=38
